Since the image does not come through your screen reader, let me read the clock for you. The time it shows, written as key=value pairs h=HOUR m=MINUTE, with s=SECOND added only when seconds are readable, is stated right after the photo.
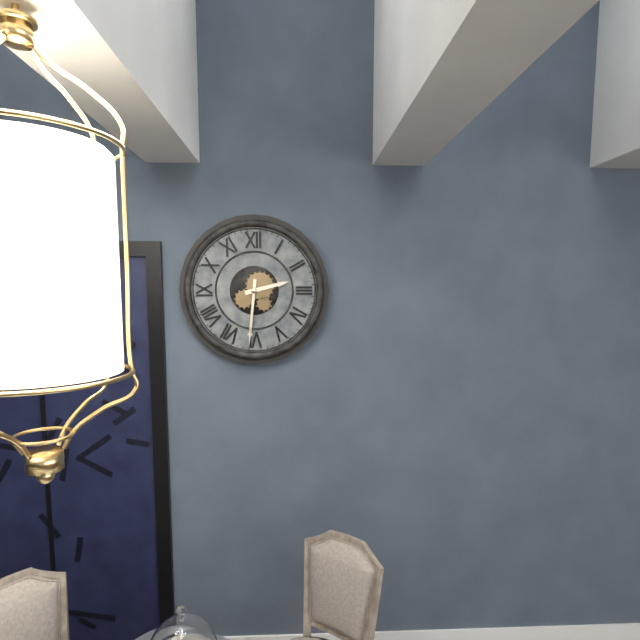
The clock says h=2 m=31
